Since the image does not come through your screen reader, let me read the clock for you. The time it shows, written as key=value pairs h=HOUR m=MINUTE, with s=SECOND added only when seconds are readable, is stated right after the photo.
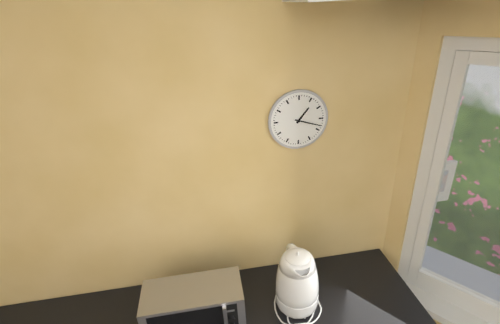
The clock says h=1 m=18
